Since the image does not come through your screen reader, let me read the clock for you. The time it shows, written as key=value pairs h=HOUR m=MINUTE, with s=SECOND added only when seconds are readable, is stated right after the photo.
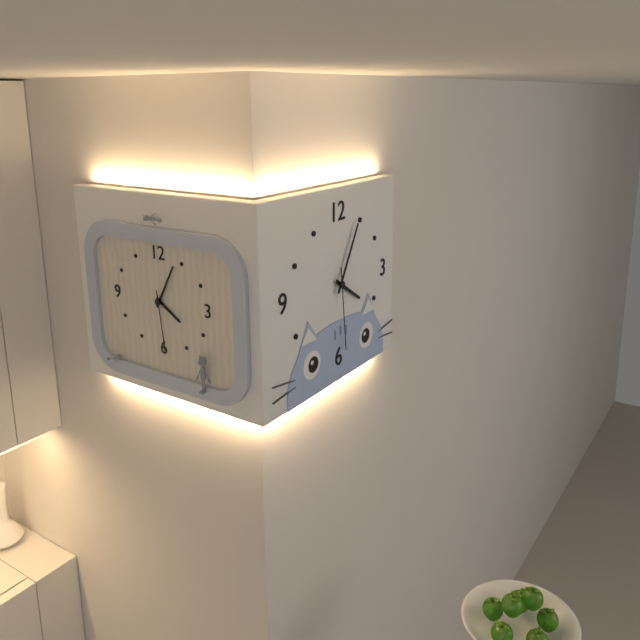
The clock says h=4 m=5 s=29
